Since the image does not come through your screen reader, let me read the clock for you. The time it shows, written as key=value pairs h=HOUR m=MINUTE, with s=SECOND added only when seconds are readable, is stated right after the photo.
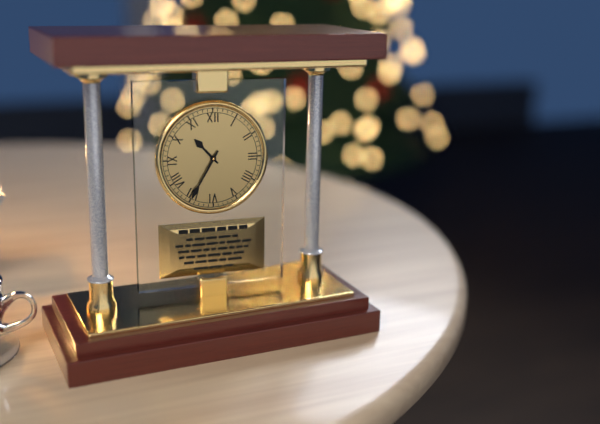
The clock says h=10 m=35
